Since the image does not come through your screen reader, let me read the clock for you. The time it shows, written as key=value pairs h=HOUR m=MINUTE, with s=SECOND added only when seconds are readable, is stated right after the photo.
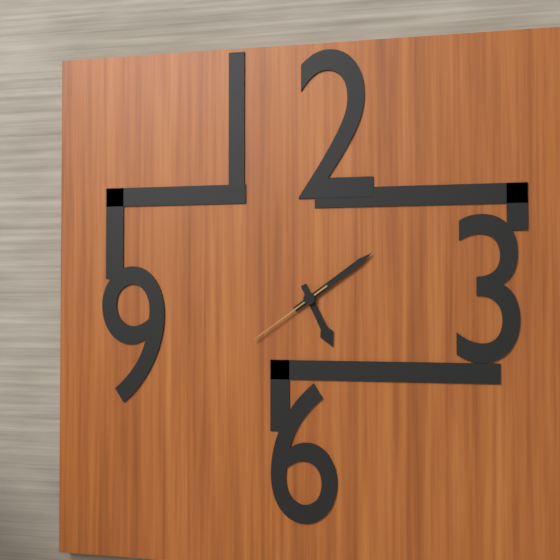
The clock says h=5 m=9 s=39
